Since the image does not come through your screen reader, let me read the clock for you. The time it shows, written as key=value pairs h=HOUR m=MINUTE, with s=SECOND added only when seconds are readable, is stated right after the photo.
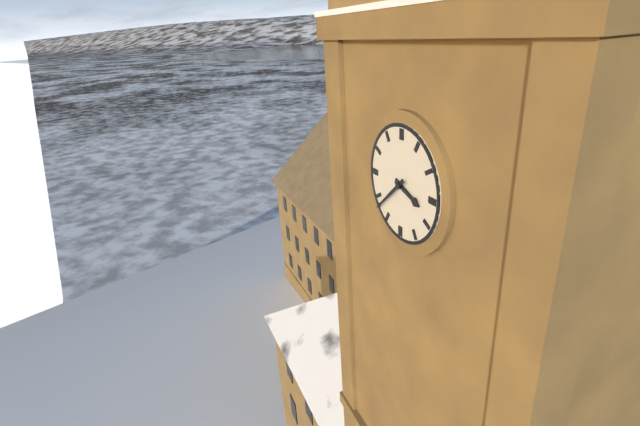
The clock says h=3 m=38
